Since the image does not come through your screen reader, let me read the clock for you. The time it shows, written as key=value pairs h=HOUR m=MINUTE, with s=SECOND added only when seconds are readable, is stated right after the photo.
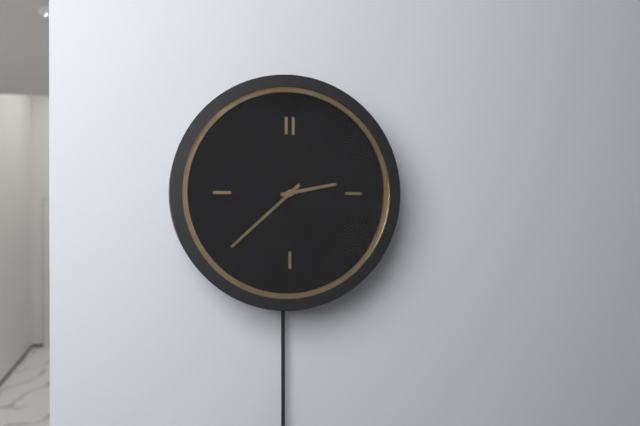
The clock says h=2 m=38
